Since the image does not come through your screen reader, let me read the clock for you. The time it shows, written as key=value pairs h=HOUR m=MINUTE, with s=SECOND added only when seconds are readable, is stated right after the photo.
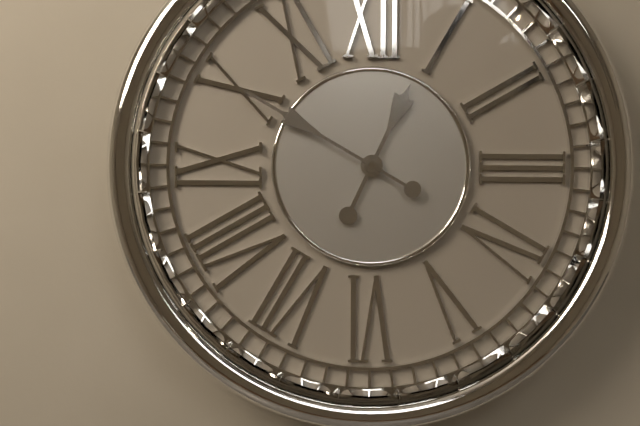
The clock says h=12 m=50
